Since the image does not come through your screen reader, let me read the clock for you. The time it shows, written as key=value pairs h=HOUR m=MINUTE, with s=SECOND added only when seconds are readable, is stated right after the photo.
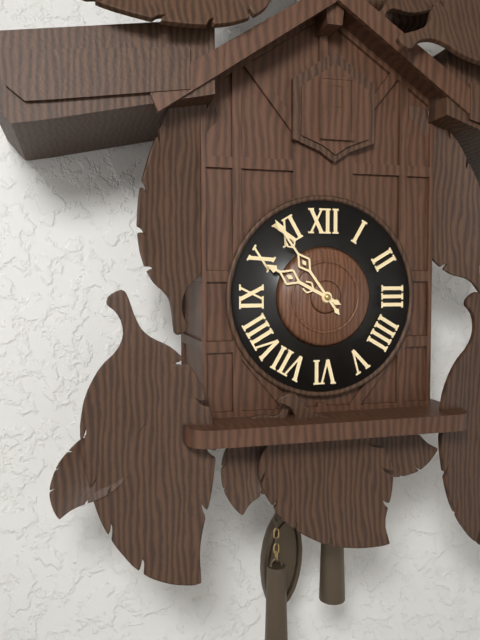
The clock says h=9 m=54
